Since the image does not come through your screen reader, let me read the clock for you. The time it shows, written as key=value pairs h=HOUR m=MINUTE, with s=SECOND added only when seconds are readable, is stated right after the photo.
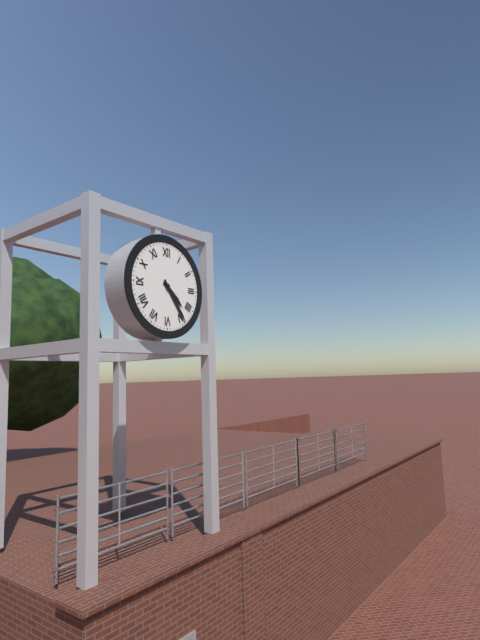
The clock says h=4 m=24
